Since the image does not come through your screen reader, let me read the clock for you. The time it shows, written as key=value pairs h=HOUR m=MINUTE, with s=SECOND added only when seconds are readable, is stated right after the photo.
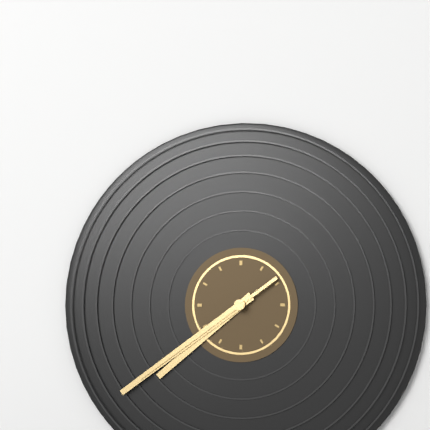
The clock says h=7 m=39 s=39
